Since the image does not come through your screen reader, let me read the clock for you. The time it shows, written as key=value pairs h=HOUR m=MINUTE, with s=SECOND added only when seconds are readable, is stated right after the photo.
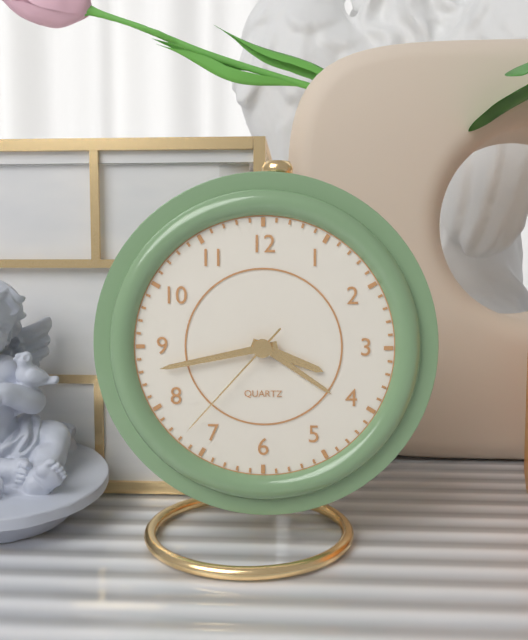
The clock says h=3 m=43 s=37
